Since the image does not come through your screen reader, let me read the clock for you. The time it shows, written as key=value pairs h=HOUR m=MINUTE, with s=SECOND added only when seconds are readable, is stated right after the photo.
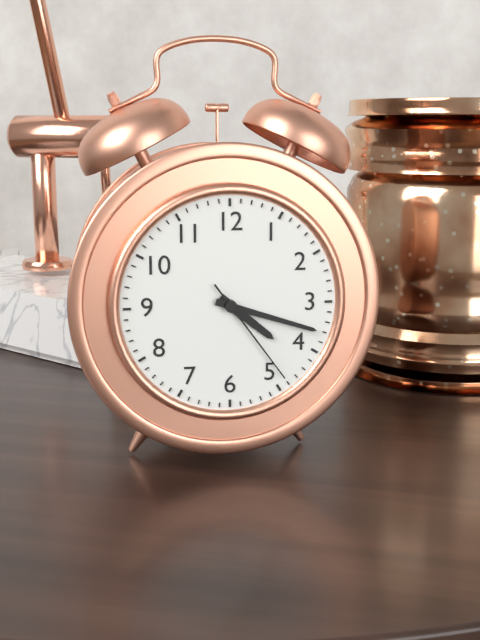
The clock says h=4 m=18 s=24
